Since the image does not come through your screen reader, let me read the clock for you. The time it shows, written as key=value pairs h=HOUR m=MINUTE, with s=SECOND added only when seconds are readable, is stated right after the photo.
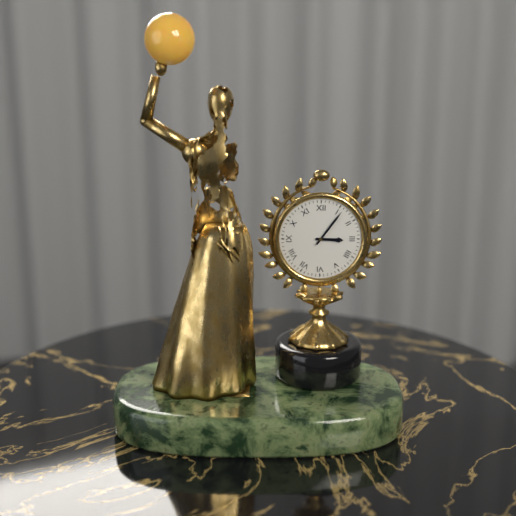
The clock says h=3 m=6
